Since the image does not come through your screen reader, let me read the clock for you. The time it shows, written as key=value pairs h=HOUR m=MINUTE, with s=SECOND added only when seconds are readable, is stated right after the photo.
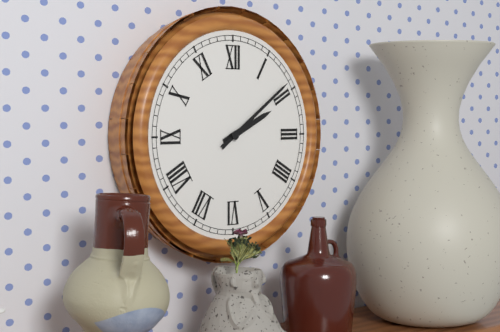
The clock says h=2 m=9
